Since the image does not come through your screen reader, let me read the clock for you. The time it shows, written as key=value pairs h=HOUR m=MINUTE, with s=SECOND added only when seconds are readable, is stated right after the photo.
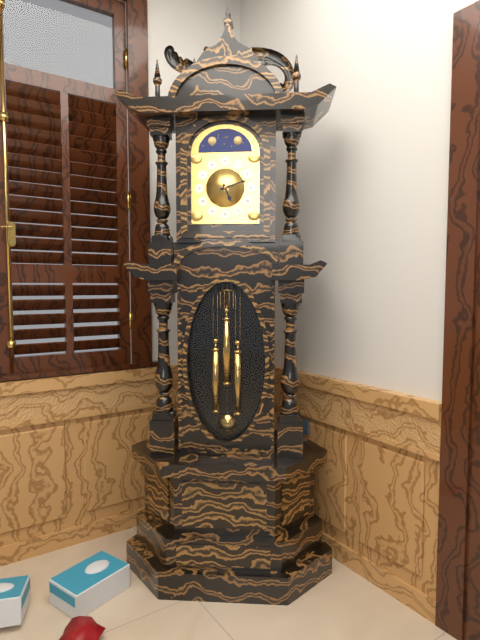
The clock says h=5 m=12
